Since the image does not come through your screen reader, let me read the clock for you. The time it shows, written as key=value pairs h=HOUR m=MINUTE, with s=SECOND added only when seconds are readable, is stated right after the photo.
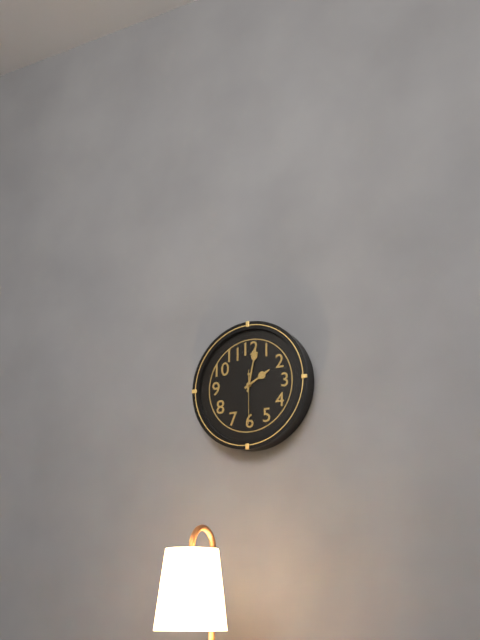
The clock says h=2 m=2
